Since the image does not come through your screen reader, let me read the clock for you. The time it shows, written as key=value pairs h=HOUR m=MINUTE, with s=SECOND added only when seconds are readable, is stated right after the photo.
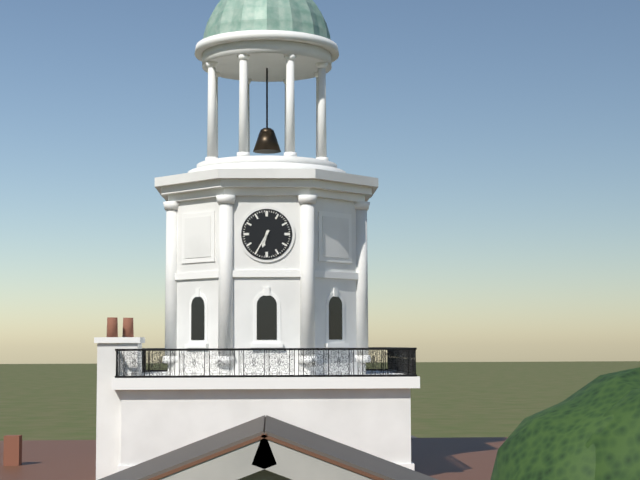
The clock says h=6 m=35
